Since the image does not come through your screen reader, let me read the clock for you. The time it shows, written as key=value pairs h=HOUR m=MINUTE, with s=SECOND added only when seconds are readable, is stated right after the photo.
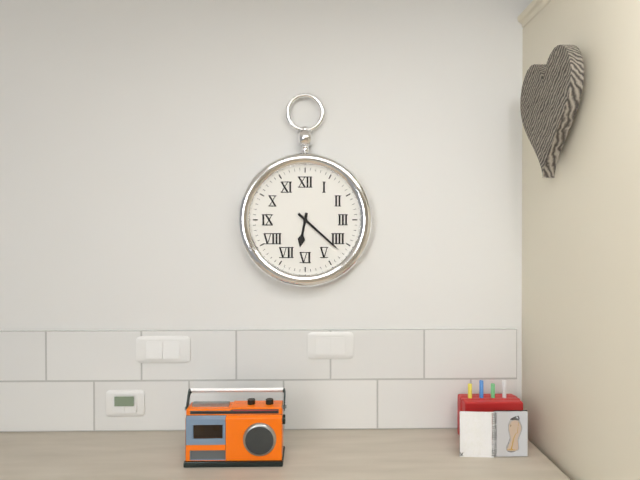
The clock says h=6 m=22
